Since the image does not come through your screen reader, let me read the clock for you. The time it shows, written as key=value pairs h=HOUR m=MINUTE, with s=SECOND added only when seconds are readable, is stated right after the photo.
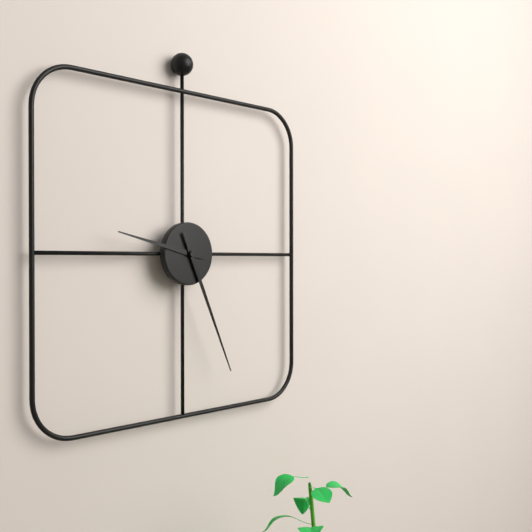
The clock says h=9 m=26
